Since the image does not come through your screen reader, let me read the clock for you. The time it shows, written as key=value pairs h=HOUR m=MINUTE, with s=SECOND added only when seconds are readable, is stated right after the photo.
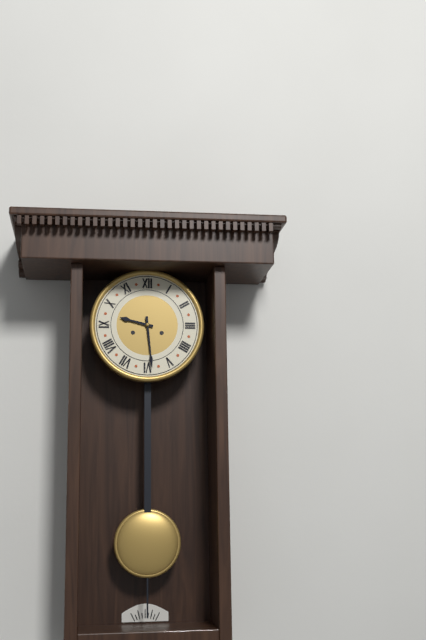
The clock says h=9 m=29
